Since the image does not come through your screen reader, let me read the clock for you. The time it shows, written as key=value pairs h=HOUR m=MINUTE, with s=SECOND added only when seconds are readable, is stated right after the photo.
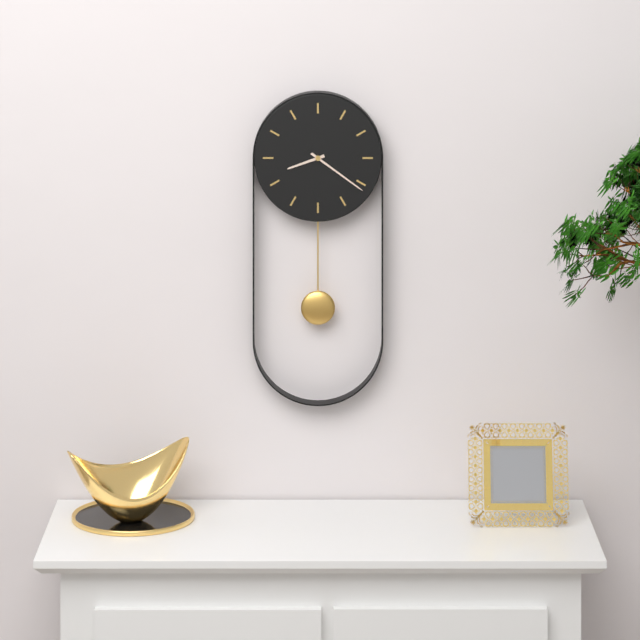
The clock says h=8 m=21
